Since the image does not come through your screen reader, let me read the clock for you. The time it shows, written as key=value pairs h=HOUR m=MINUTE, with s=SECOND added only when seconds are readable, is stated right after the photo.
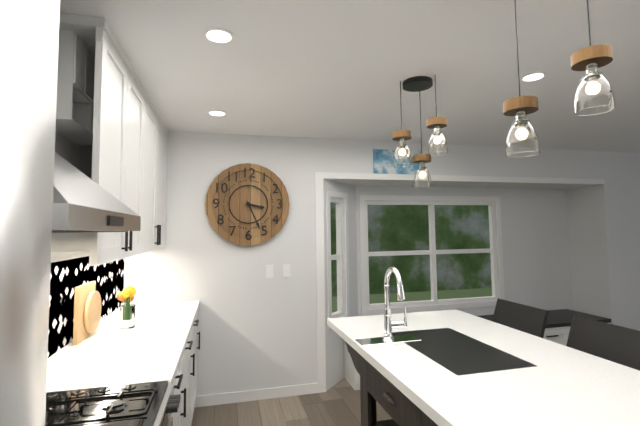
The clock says h=3 m=26
